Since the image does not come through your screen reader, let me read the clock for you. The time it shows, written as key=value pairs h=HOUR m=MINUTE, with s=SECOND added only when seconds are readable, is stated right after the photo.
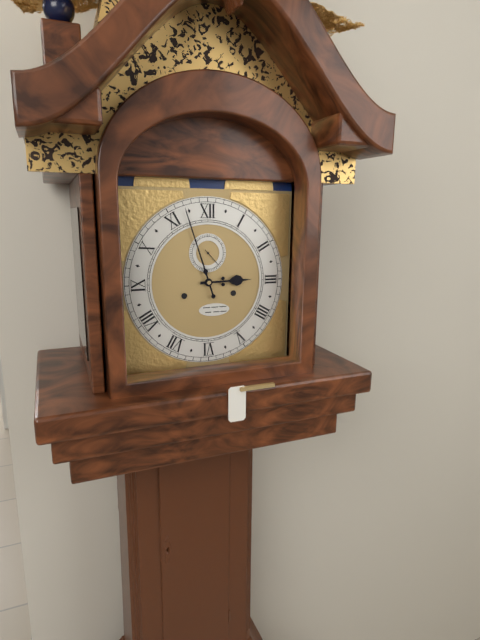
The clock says h=2 m=57
